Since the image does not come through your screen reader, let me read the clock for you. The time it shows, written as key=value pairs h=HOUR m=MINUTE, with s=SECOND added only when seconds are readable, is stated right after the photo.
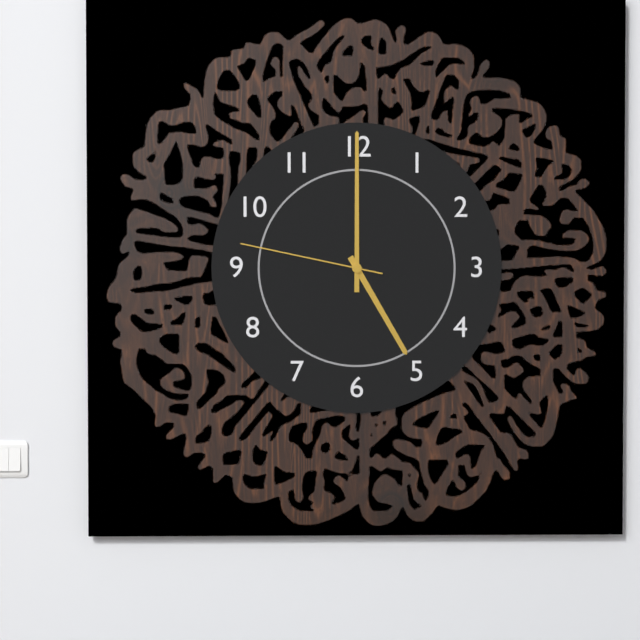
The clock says h=5 m=0 s=47
